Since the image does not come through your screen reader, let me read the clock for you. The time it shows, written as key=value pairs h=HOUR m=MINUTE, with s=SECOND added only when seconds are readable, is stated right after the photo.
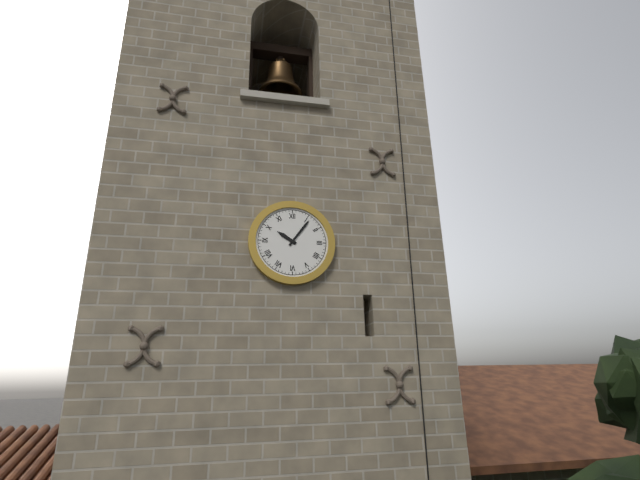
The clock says h=10 m=6
